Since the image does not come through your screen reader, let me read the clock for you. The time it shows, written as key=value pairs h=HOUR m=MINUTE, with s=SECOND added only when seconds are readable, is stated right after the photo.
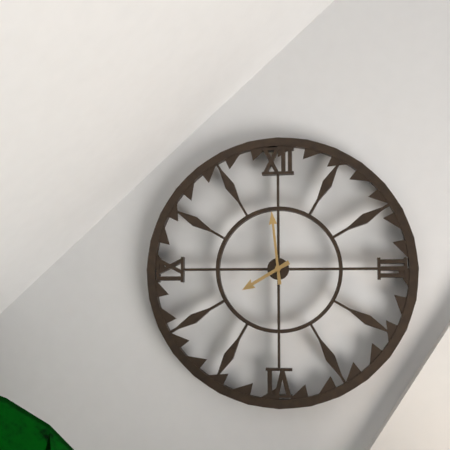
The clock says h=7 m=59
